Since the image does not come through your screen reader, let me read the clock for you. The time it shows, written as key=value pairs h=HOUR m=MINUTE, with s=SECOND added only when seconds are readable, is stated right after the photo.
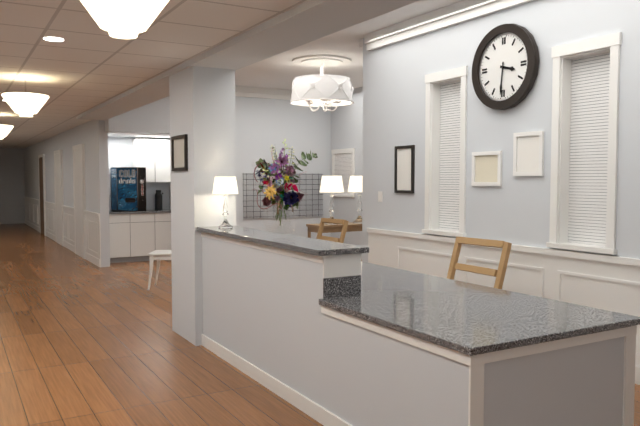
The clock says h=3 m=31
